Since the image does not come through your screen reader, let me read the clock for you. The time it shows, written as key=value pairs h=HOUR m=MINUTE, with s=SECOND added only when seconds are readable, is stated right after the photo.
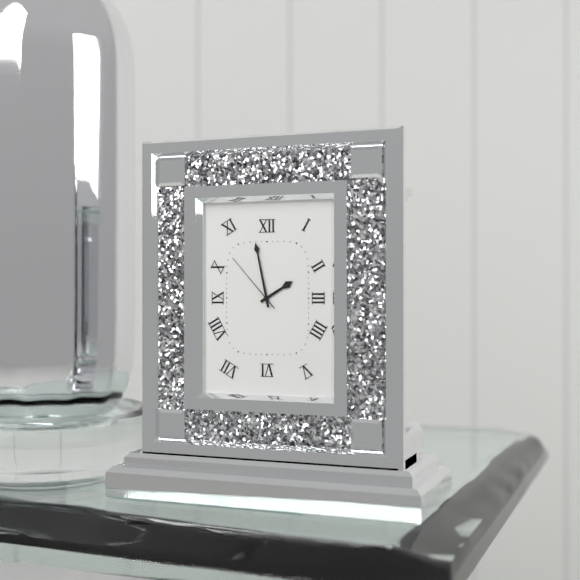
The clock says h=1 m=58 s=53
